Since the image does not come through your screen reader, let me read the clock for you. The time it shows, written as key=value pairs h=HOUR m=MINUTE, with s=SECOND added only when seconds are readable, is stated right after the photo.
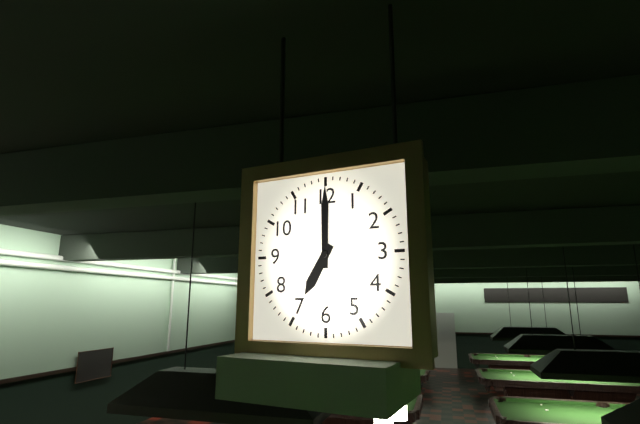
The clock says h=7 m=0
